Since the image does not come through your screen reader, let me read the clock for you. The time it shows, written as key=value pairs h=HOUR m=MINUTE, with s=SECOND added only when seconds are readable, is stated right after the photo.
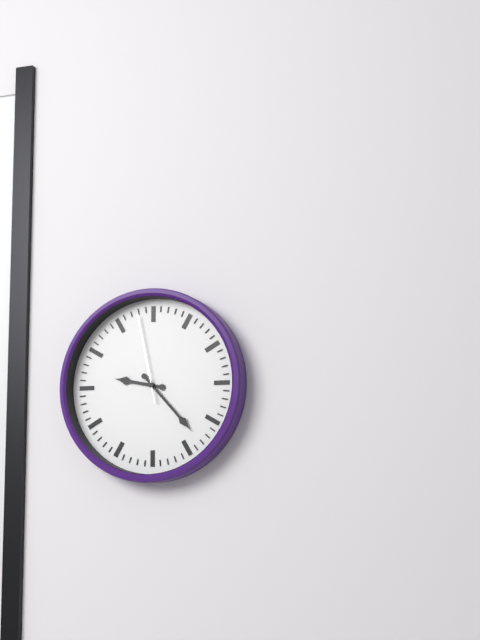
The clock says h=9 m=23 s=58
